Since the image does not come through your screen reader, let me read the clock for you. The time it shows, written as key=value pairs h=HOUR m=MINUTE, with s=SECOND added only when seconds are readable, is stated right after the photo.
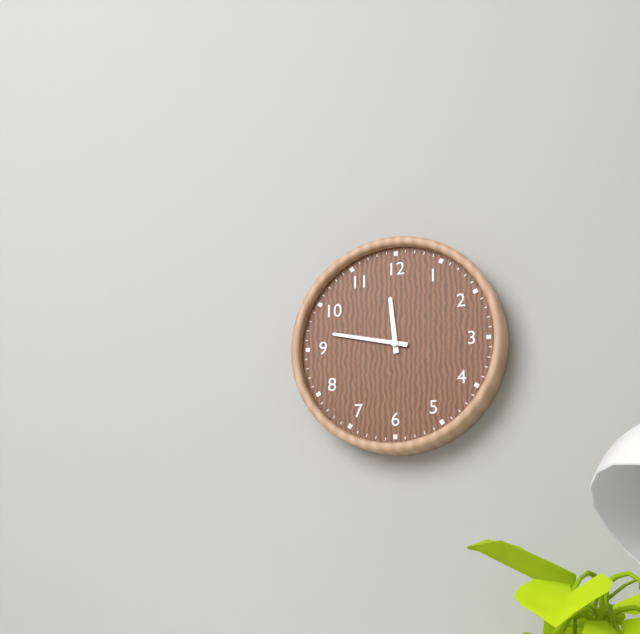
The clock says h=11 m=47
